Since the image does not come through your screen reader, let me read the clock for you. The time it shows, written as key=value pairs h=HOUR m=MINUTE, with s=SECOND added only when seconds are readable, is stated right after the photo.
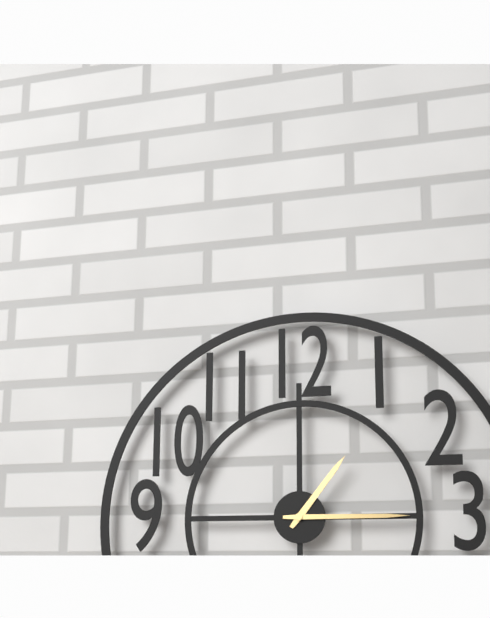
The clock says h=1 m=15
